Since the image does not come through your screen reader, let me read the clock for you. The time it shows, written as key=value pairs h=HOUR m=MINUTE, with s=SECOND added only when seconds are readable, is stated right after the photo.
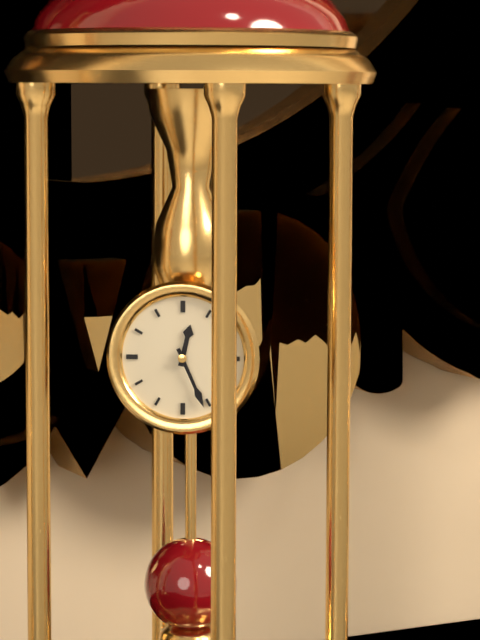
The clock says h=12 m=26
